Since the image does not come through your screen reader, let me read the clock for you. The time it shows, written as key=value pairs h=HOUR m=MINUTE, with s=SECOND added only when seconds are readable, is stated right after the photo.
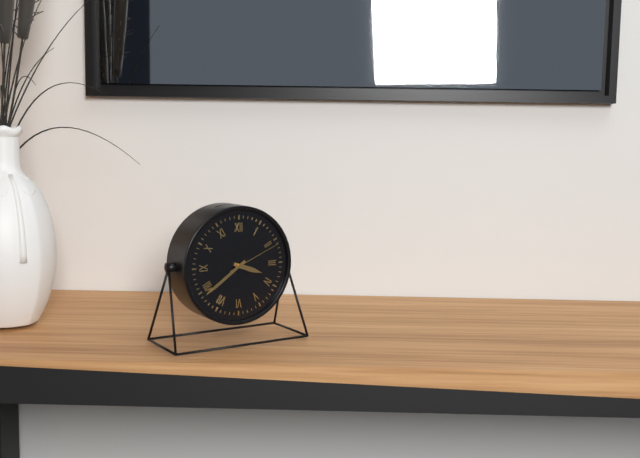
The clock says h=3 m=39 s=11
